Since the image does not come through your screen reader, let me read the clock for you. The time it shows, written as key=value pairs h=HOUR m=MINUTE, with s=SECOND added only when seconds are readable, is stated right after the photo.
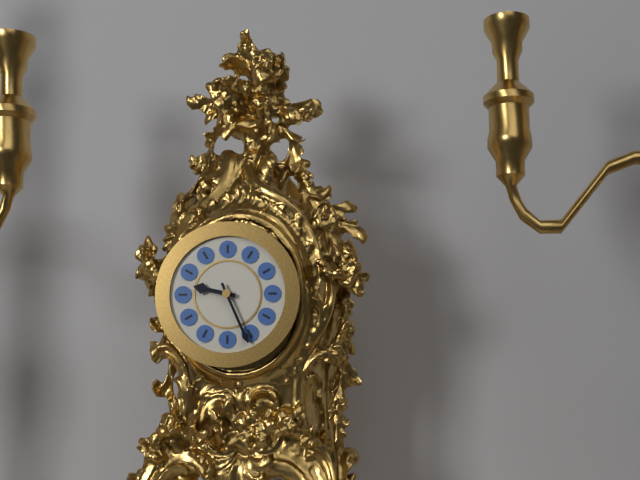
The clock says h=9 m=26
